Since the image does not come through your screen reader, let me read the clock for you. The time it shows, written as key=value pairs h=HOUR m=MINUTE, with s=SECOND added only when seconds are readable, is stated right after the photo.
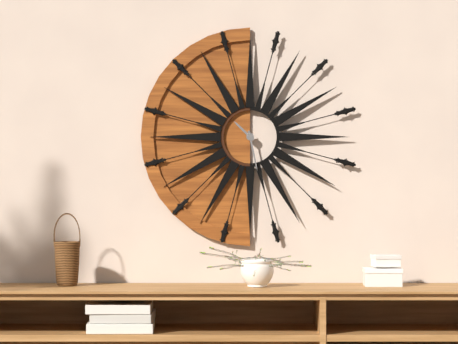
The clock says h=10 m=28
